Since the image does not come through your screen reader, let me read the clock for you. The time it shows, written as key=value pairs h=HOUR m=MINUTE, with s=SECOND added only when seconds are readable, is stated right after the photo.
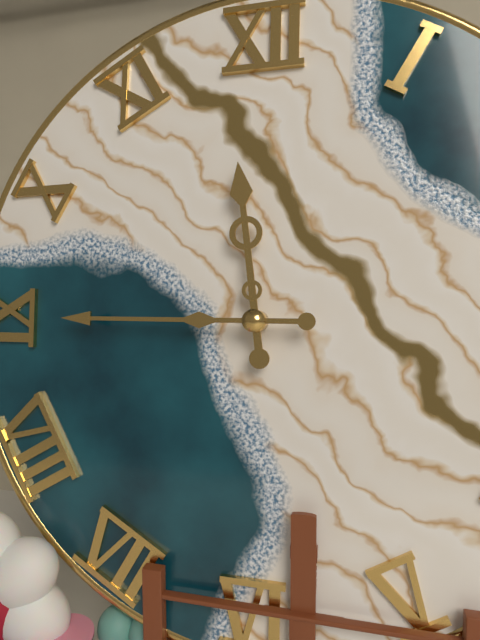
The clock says h=11 m=45
